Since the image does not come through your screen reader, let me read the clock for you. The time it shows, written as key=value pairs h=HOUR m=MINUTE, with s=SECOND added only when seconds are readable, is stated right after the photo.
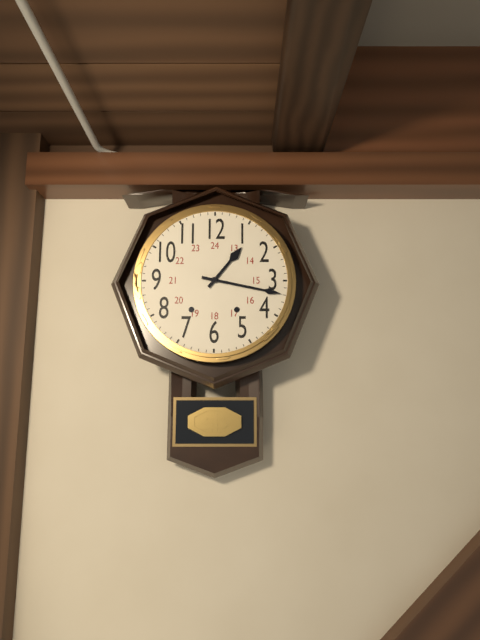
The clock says h=1 m=17
